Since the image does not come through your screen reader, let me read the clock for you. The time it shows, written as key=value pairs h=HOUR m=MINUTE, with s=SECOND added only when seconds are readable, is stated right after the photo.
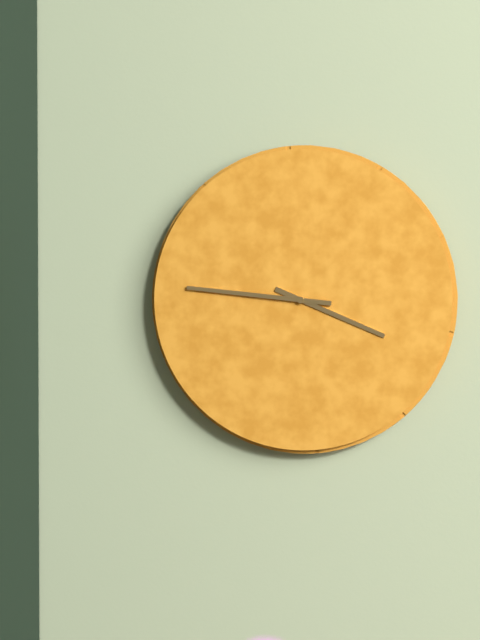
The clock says h=3 m=46
